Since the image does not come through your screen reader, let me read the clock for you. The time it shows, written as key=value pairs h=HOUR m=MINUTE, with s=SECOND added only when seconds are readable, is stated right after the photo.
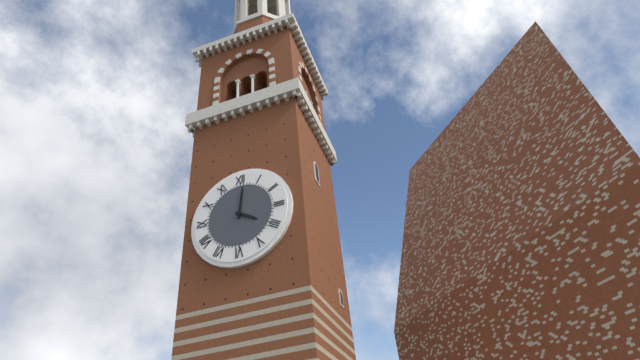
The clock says h=4 m=1
